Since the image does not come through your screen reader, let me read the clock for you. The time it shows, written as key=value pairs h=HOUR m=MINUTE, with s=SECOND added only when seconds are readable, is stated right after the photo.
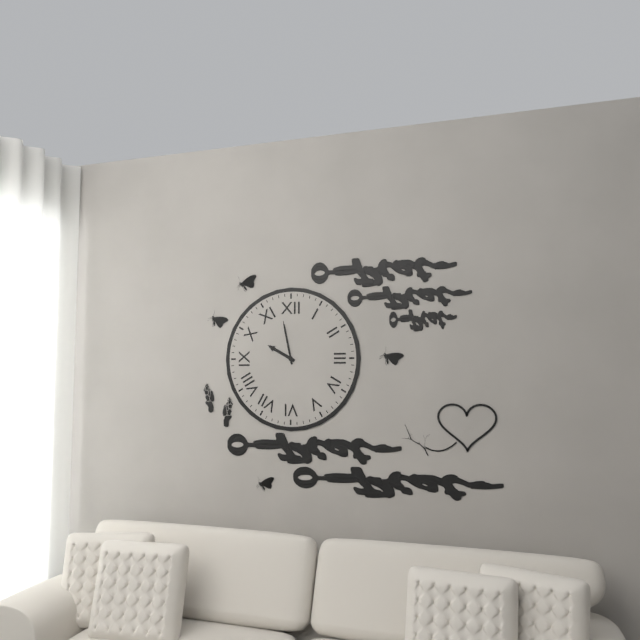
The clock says h=9 m=58
